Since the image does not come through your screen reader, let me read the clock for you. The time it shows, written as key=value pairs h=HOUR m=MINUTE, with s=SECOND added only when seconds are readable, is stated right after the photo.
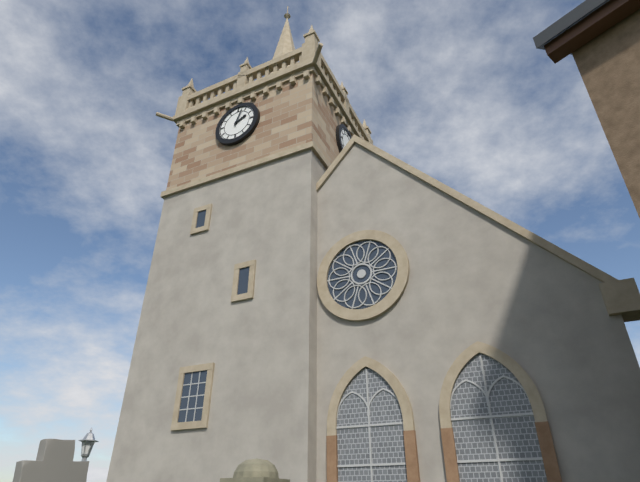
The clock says h=2 m=3
